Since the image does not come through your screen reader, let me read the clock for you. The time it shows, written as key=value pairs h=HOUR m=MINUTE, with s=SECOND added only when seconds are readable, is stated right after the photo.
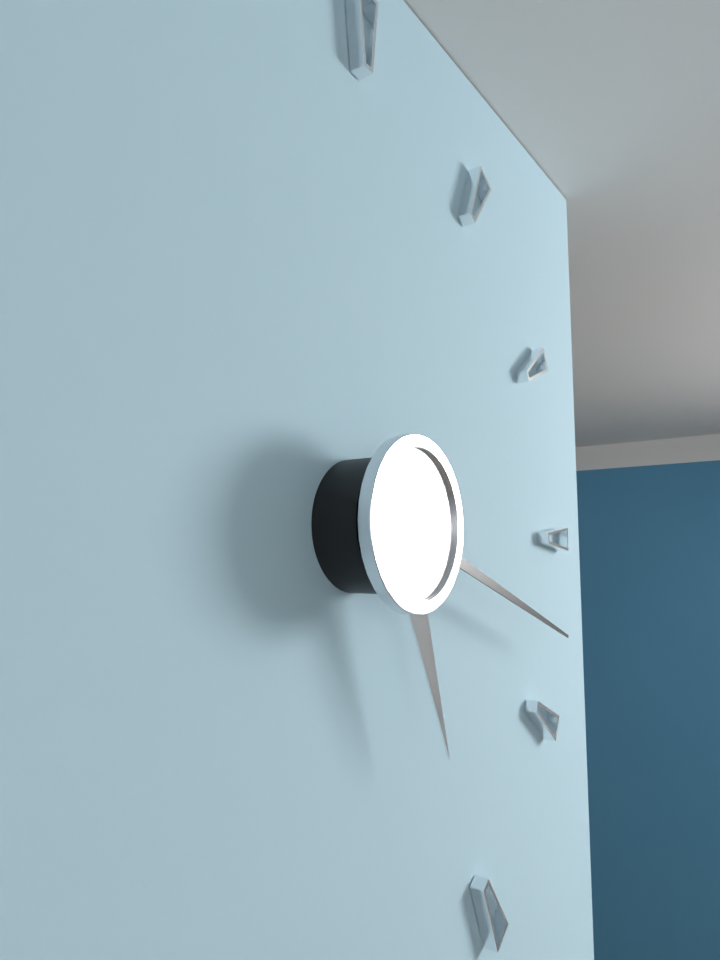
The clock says h=5 m=18
